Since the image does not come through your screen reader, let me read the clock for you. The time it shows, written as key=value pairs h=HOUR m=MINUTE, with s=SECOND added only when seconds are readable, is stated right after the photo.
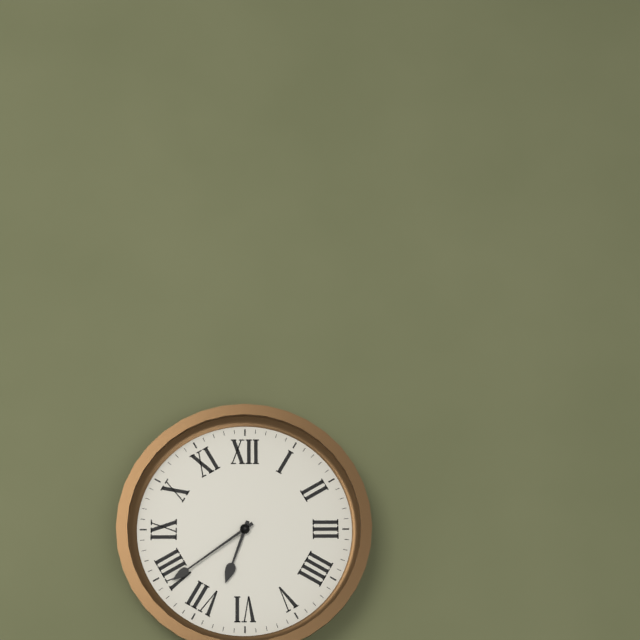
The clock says h=6 m=39
